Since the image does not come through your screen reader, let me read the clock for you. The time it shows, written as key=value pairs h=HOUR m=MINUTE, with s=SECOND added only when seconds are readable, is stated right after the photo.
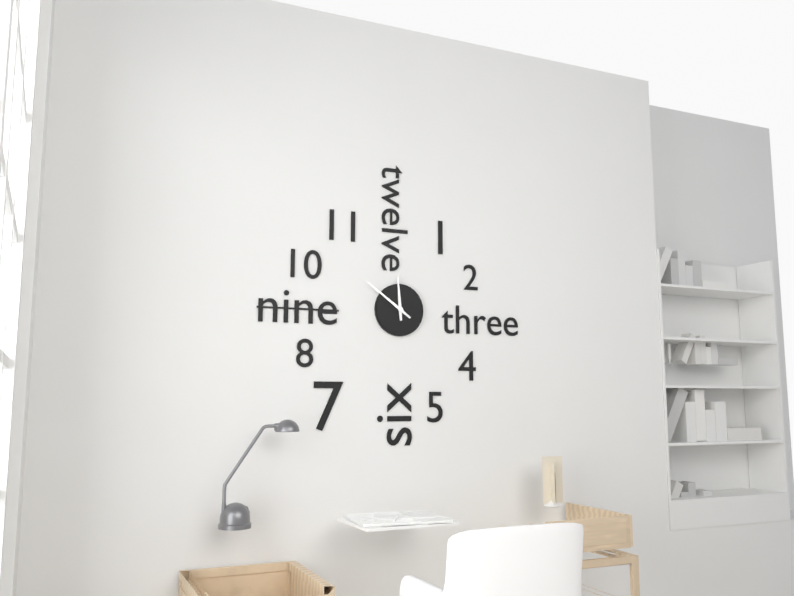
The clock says h=11 m=51
